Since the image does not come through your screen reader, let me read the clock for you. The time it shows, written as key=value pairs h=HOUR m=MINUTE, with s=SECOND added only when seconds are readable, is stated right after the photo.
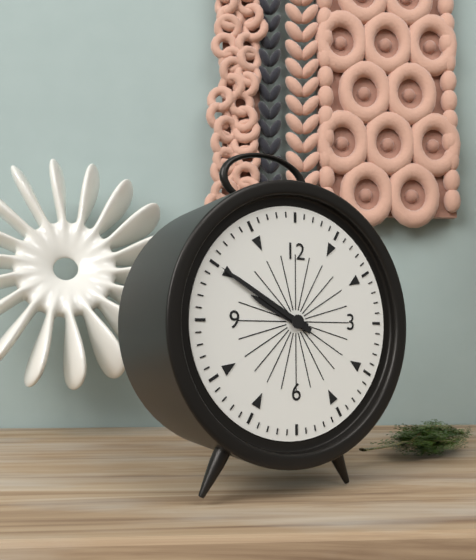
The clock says h=9 m=50
